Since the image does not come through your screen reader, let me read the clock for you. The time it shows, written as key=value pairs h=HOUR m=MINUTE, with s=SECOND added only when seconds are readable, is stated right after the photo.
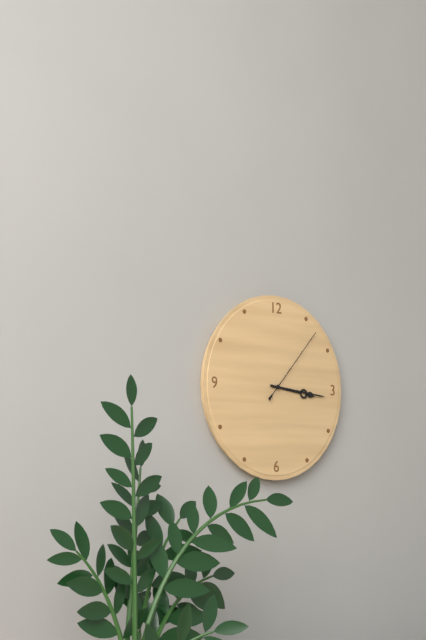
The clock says h=3 m=16 s=7
